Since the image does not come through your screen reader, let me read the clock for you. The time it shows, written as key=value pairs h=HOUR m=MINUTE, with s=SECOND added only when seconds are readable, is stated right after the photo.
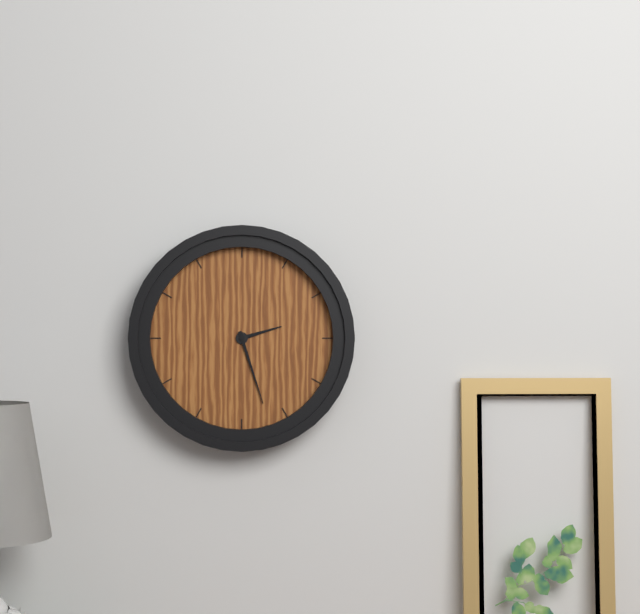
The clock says h=2 m=27
